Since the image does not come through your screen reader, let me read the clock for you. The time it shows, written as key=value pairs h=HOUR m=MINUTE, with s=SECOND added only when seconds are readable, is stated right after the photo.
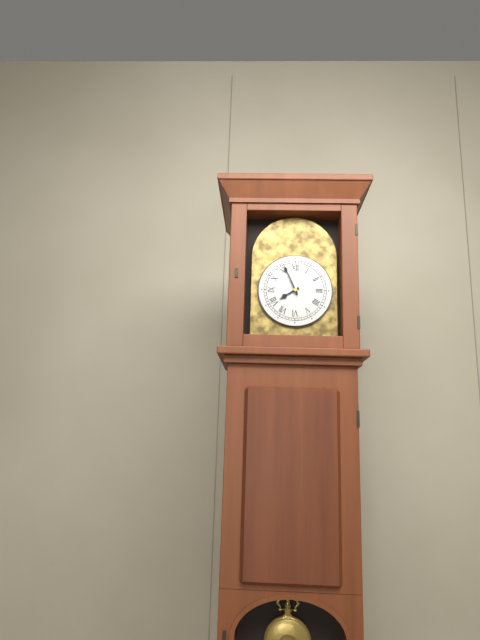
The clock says h=7 m=56
